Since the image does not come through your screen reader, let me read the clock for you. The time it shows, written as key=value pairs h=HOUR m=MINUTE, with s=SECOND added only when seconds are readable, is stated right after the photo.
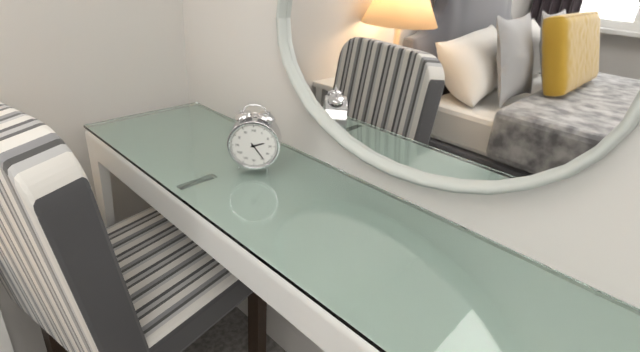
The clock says h=2 m=24
